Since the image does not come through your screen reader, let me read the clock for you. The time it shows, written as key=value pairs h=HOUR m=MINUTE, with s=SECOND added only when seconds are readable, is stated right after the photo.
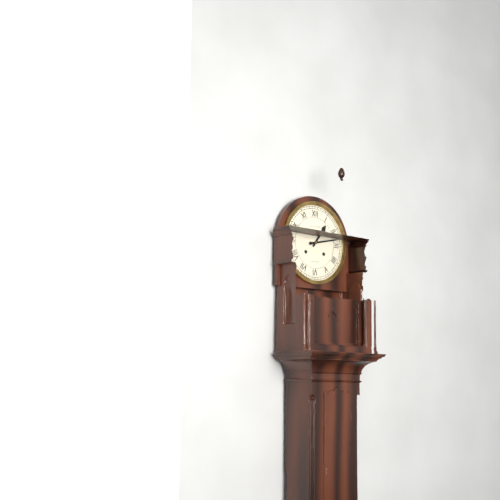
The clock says h=1 m=13
